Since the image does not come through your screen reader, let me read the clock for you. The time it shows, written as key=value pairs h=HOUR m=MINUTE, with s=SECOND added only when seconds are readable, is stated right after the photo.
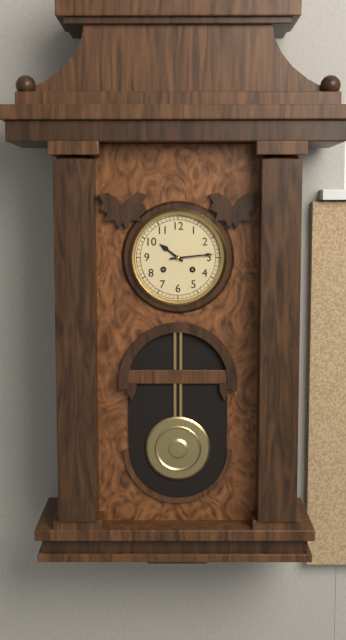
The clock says h=10 m=14
